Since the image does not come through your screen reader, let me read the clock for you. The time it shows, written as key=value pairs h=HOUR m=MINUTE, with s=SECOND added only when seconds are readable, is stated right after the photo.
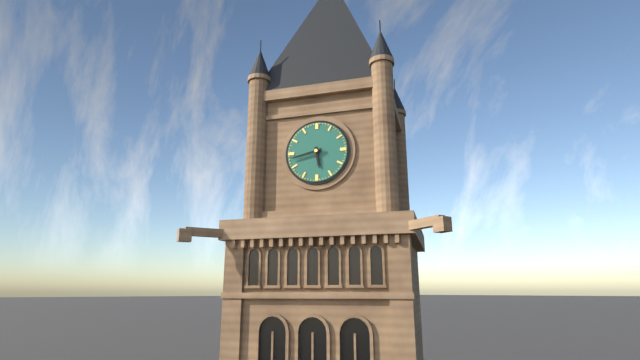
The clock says h=5 m=43
